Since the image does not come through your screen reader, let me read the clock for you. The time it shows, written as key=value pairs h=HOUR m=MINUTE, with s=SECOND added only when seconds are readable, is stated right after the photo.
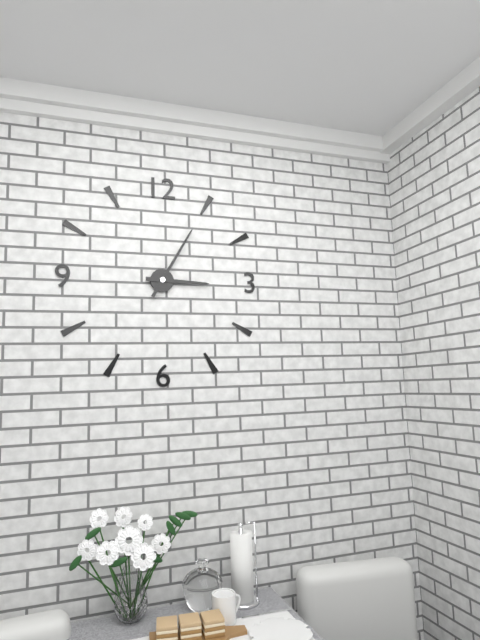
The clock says h=3 m=5
